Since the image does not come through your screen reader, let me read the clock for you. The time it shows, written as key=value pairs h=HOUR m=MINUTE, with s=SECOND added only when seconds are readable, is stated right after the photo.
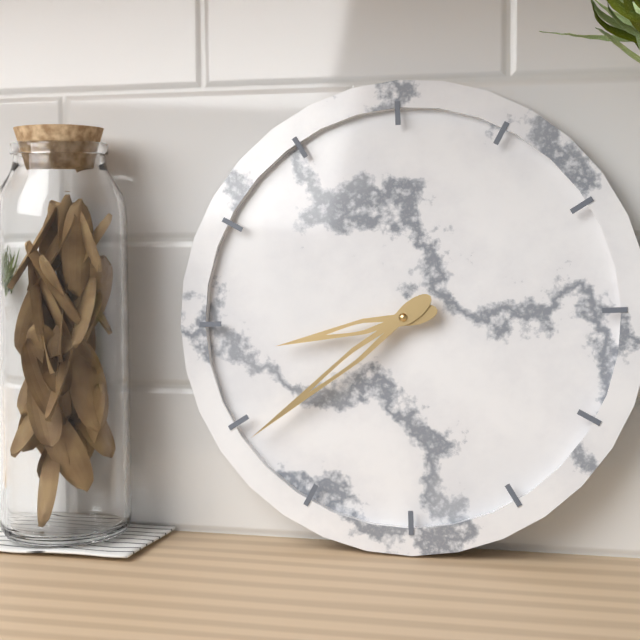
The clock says h=8 m=39
